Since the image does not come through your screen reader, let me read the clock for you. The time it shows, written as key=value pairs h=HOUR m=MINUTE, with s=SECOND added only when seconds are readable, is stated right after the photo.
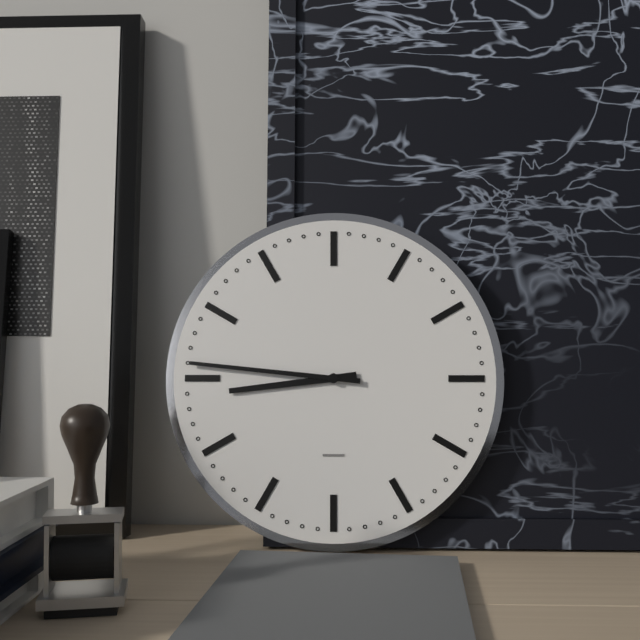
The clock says h=8 m=46
